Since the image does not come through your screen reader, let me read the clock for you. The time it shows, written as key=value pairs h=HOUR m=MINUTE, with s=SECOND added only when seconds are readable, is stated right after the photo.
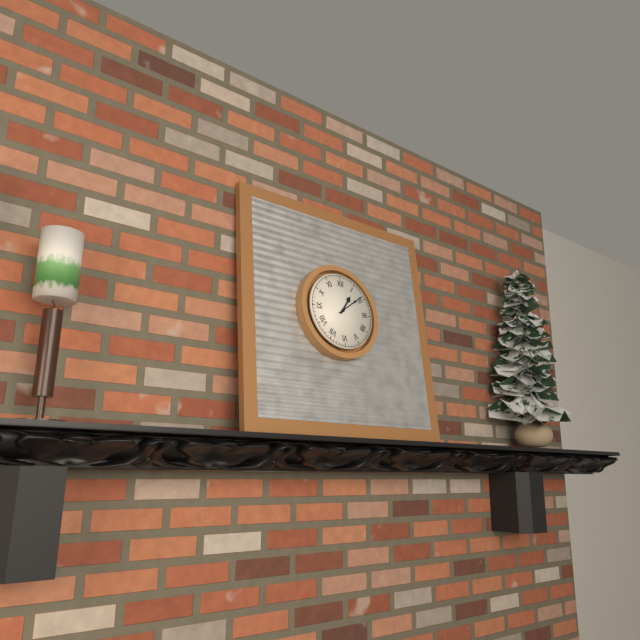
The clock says h=1 m=9
